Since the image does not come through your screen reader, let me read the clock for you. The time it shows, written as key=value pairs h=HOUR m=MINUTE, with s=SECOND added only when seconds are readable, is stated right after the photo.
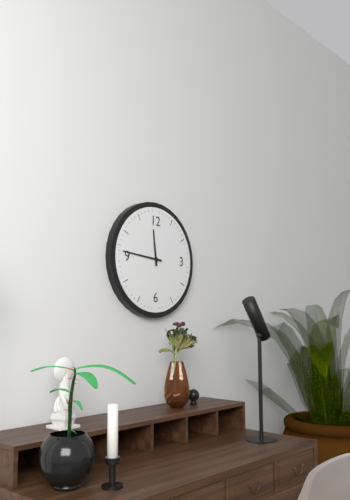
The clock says h=11 m=46
